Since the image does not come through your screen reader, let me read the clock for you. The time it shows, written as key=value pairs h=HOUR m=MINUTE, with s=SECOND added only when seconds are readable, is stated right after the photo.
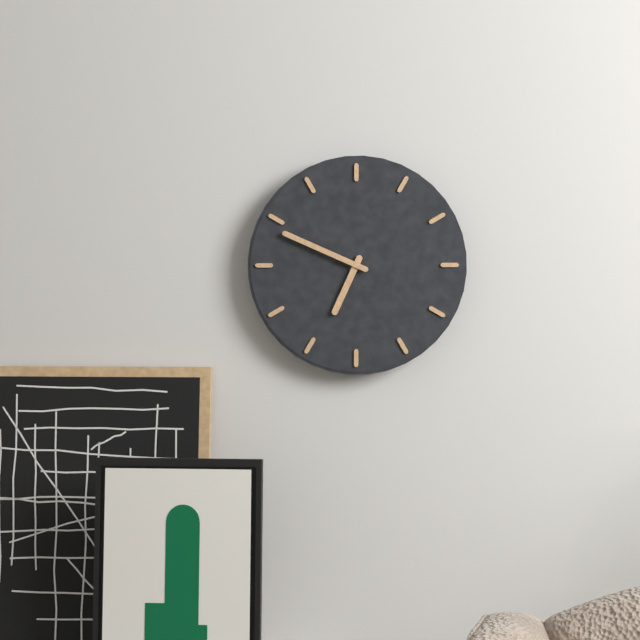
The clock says h=6 m=49
